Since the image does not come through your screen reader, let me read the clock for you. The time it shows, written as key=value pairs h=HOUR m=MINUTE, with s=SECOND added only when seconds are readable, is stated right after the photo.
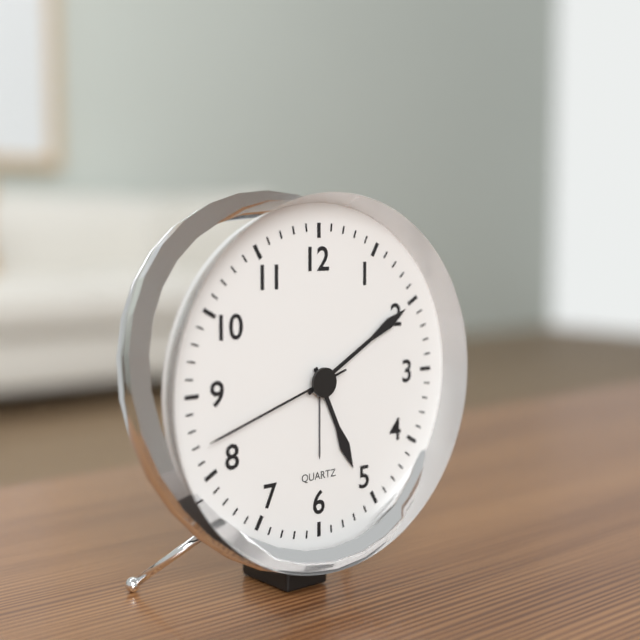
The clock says h=5 m=10 s=42
